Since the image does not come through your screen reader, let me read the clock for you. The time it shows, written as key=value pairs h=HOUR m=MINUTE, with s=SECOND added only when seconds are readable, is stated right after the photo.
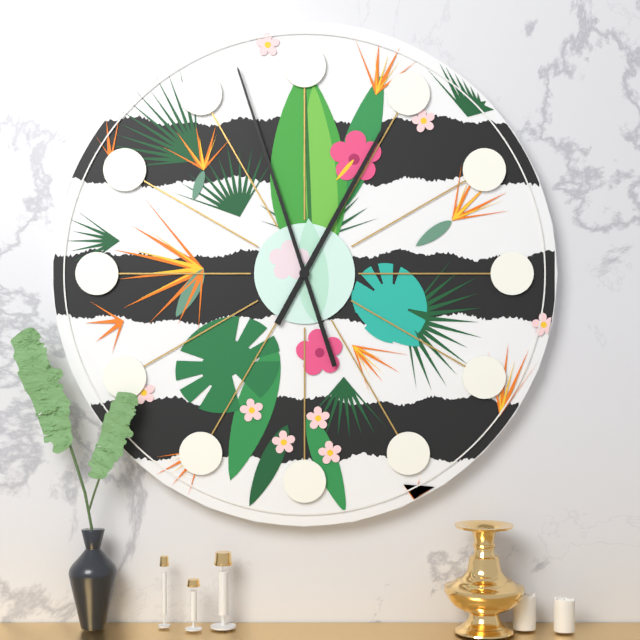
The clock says h=12 m=57
